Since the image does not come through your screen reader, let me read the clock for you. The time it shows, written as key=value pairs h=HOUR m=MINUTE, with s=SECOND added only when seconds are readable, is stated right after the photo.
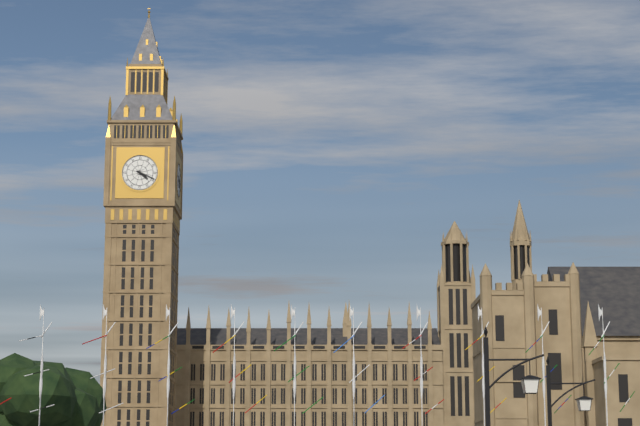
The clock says h=4 m=19
